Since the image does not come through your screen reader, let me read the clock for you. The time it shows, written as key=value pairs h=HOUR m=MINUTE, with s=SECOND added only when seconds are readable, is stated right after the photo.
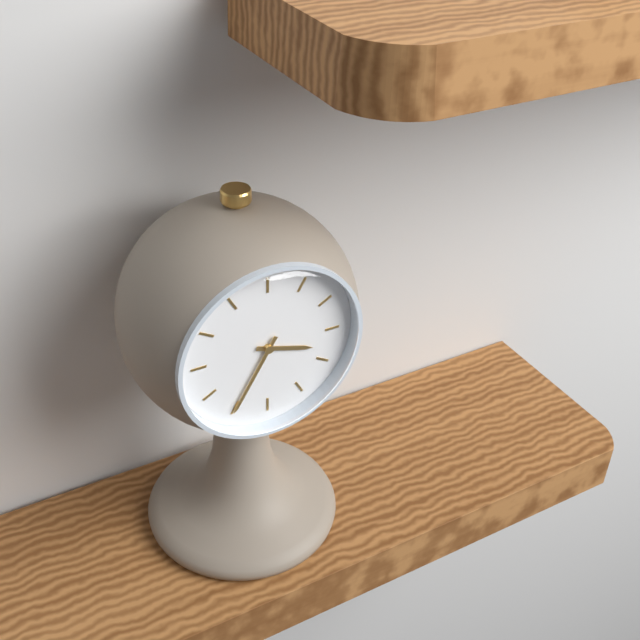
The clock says h=3 m=35
